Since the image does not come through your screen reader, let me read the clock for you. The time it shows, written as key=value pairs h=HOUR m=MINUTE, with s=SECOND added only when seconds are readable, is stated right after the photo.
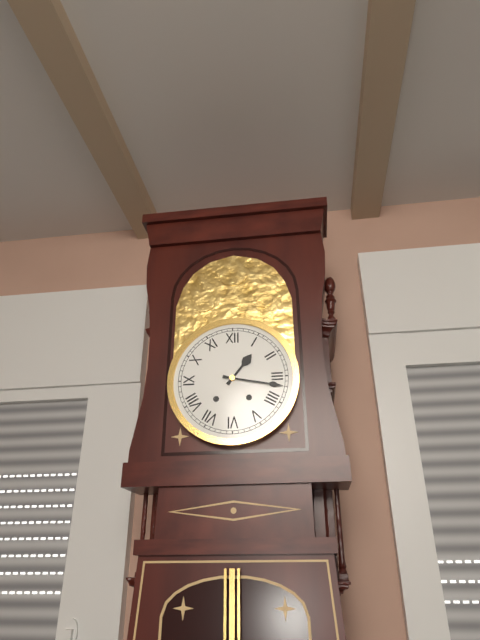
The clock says h=1 m=17
